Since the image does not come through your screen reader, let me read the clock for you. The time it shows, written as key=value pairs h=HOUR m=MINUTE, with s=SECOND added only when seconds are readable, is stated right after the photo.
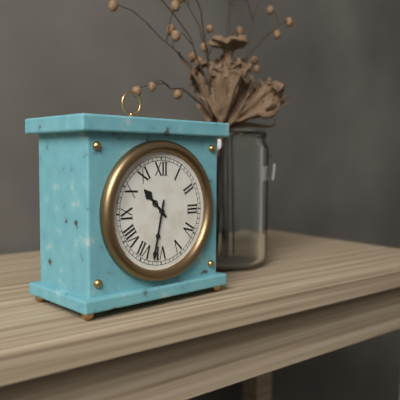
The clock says h=10 m=32
